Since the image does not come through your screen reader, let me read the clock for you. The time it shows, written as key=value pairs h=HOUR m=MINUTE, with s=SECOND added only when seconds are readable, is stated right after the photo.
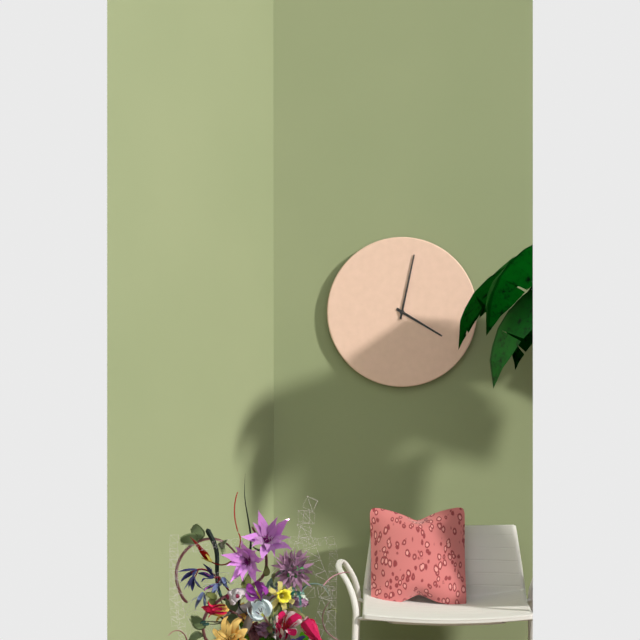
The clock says h=4 m=2
